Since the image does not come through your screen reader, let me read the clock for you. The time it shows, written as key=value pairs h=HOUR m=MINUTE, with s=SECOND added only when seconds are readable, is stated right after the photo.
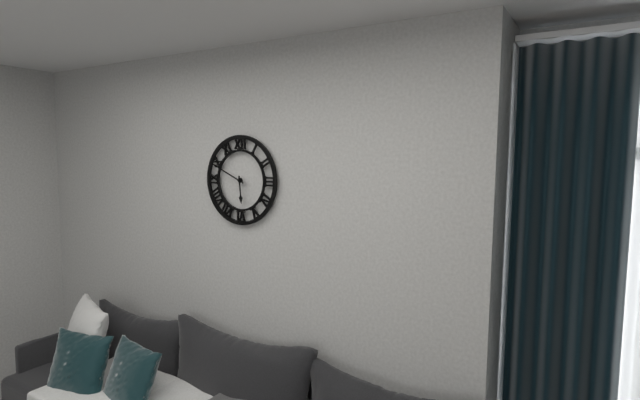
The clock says h=5 m=49
